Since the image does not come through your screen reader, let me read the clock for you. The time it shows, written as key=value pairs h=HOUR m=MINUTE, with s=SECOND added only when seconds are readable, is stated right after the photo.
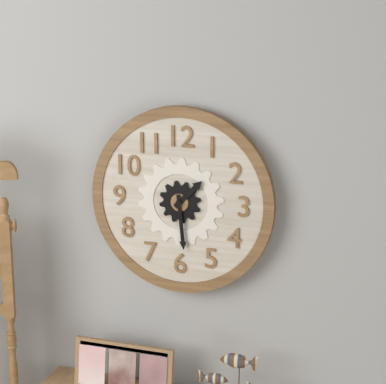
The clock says h=1 m=29
